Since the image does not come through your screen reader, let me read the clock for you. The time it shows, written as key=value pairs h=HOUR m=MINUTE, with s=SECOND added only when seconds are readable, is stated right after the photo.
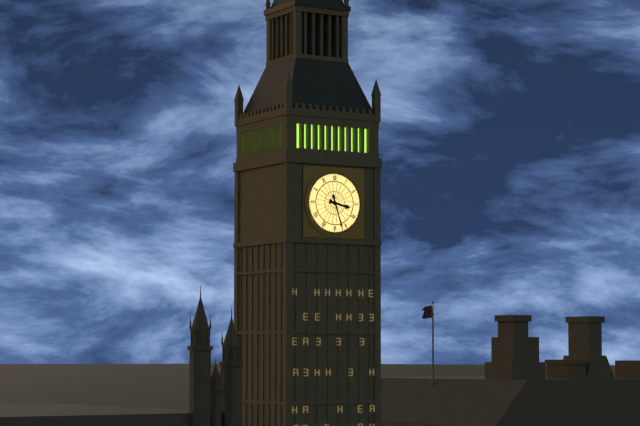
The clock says h=3 m=27
